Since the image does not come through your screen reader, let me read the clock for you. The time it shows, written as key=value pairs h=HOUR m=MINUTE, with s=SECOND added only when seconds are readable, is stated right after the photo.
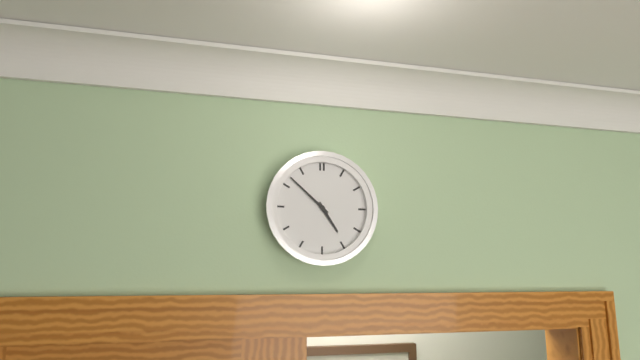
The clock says h=4 m=52
